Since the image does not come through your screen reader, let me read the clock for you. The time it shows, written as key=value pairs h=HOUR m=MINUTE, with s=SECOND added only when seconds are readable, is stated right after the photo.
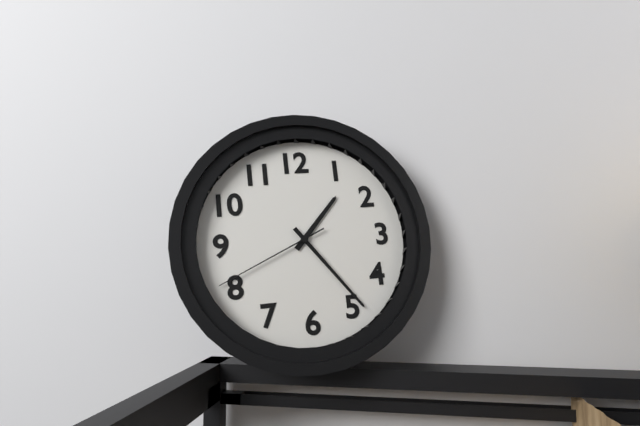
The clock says h=1 m=24 s=41
